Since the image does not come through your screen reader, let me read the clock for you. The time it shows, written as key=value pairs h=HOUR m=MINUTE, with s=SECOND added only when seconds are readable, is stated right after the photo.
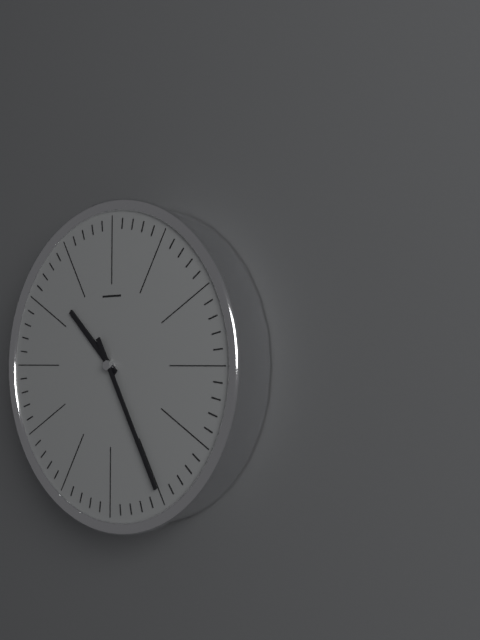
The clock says h=10 m=25
